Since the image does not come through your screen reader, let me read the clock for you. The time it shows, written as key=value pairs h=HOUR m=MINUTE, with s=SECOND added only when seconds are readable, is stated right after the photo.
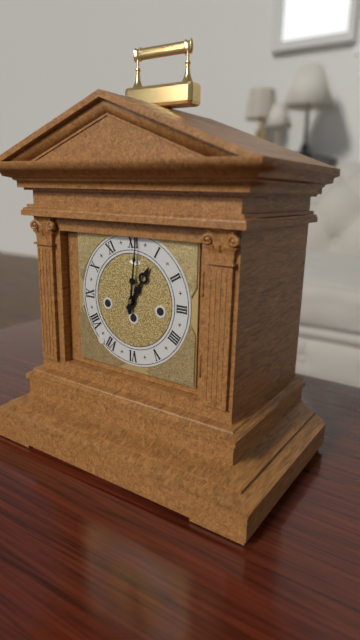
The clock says h=1 m=1
